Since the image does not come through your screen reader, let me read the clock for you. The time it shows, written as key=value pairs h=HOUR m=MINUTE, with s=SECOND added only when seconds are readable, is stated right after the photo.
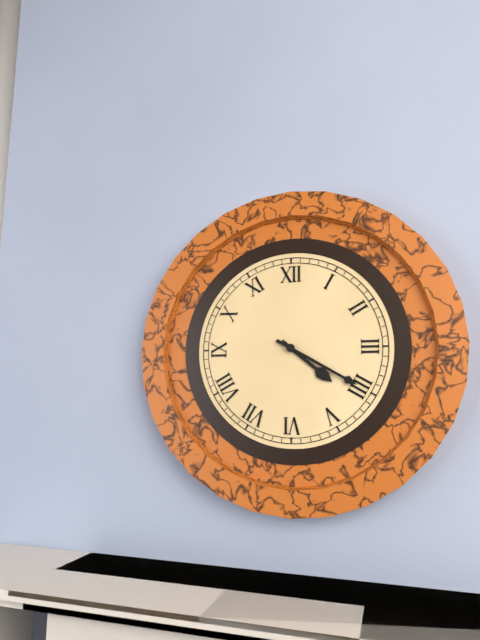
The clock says h=4 m=20
